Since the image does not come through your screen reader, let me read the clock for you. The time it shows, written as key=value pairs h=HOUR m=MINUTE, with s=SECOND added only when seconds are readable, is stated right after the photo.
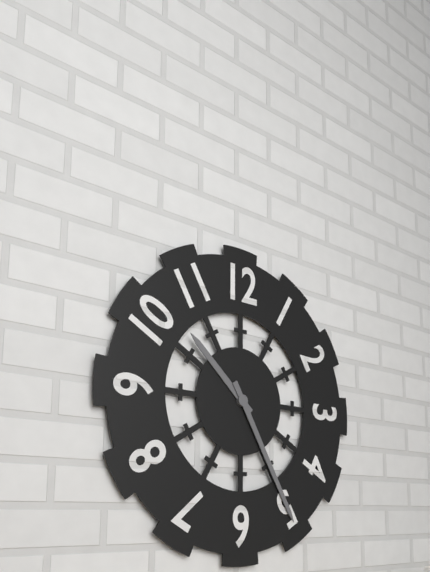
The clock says h=10 m=25
